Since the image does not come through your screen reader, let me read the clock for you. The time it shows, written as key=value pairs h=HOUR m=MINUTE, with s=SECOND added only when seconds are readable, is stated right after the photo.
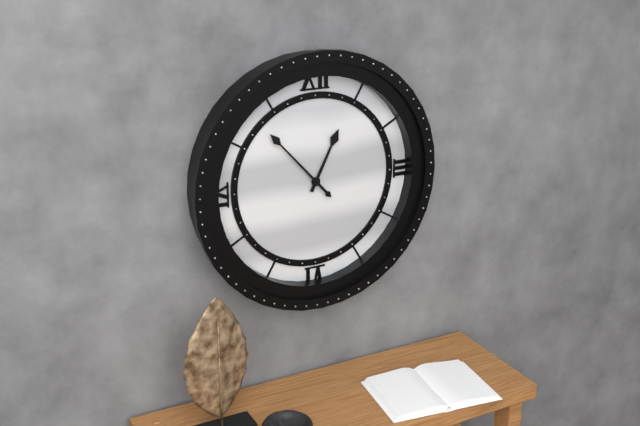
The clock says h=12 m=53
